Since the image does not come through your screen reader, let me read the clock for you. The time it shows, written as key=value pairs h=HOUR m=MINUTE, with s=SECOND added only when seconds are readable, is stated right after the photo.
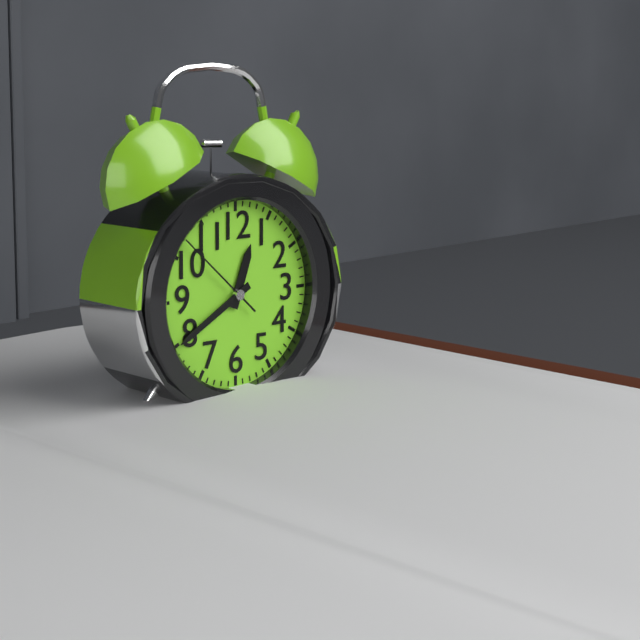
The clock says h=12 m=40 s=52
